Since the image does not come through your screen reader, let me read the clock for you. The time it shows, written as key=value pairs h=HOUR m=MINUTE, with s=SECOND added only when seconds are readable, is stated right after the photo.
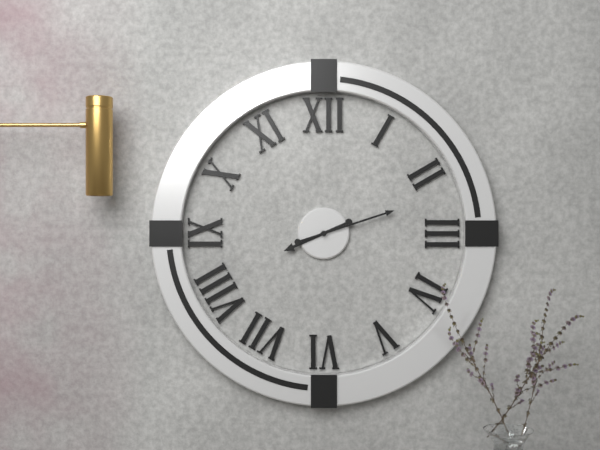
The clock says h=8 m=12
